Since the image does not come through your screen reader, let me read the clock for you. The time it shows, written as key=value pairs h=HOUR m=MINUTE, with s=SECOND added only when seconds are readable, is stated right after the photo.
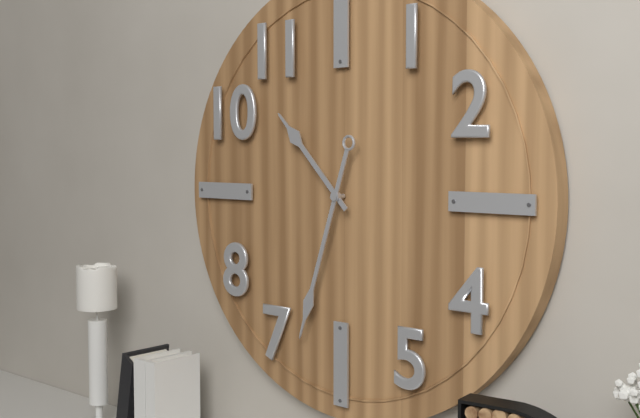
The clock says h=10 m=33
